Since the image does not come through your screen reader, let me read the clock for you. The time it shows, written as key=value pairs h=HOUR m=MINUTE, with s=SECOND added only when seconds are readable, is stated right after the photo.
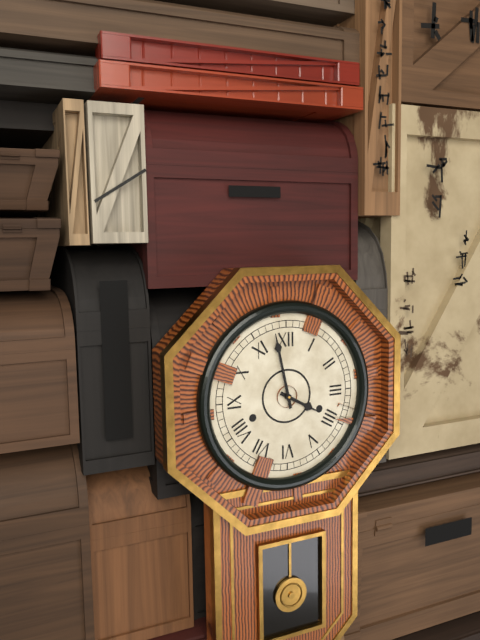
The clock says h=3 m=58
